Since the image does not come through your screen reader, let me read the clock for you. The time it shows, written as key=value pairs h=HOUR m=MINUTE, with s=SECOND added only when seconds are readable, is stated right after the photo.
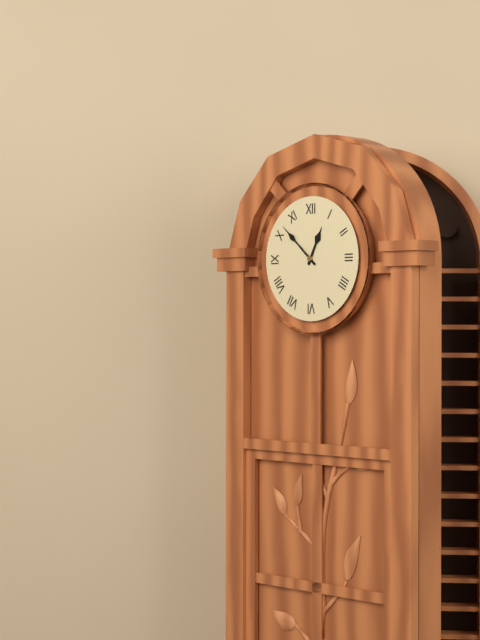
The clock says h=12 m=52
